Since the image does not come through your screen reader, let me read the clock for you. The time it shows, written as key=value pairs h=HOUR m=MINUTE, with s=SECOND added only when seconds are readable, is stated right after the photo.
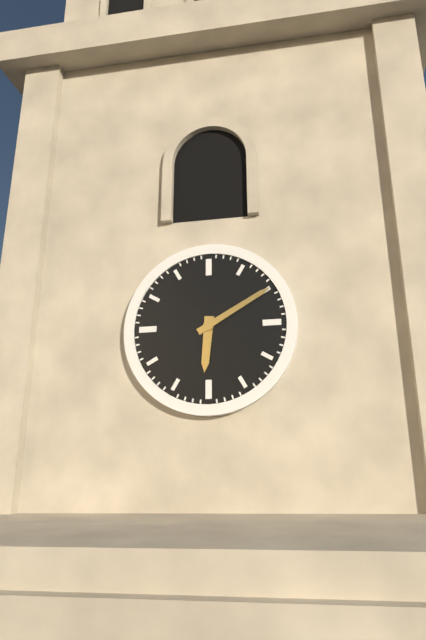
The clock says h=6 m=10
